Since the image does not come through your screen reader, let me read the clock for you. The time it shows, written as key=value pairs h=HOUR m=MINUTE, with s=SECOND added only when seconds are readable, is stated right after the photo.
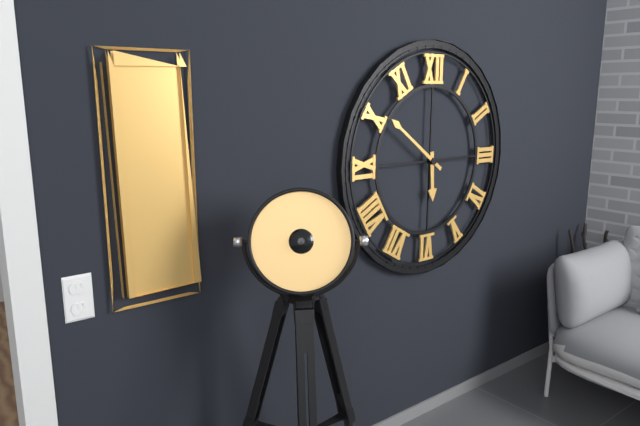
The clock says h=5 m=51
